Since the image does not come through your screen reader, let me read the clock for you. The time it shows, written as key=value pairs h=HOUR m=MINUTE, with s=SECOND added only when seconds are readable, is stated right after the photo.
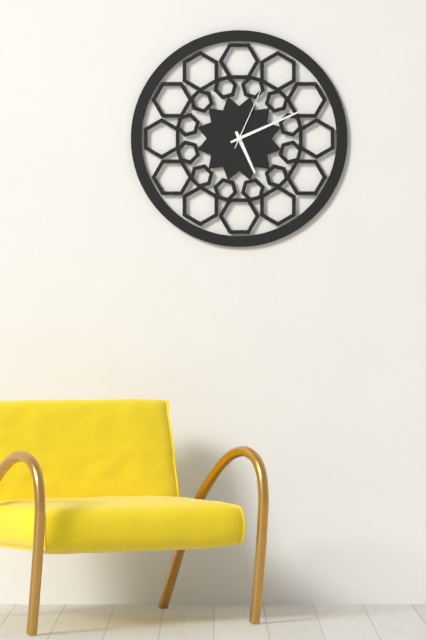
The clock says h=5 m=11 s=4
